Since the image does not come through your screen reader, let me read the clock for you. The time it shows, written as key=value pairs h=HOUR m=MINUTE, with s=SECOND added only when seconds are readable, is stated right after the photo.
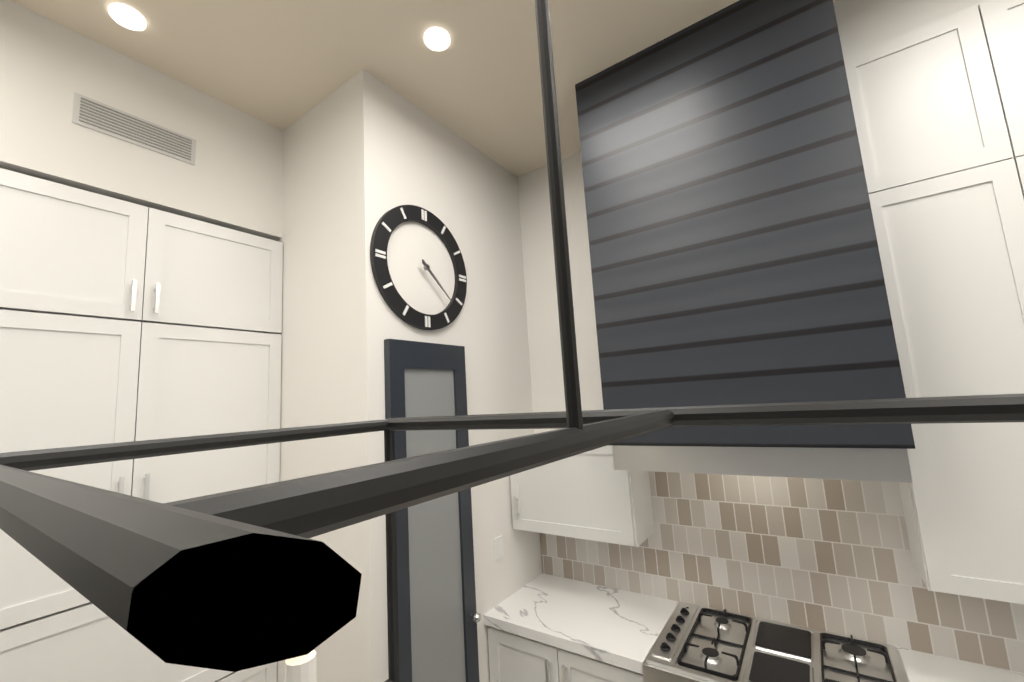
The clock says h=4 m=22
